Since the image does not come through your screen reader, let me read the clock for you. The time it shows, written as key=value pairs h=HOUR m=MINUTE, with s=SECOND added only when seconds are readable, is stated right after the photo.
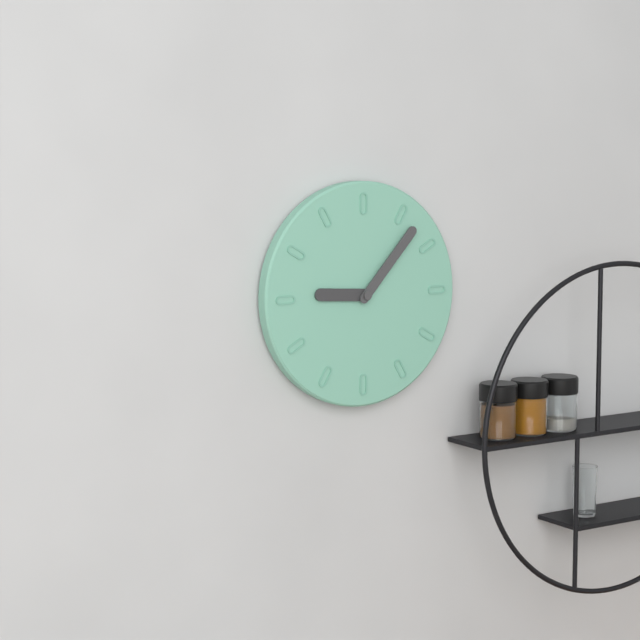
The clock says h=9 m=7
